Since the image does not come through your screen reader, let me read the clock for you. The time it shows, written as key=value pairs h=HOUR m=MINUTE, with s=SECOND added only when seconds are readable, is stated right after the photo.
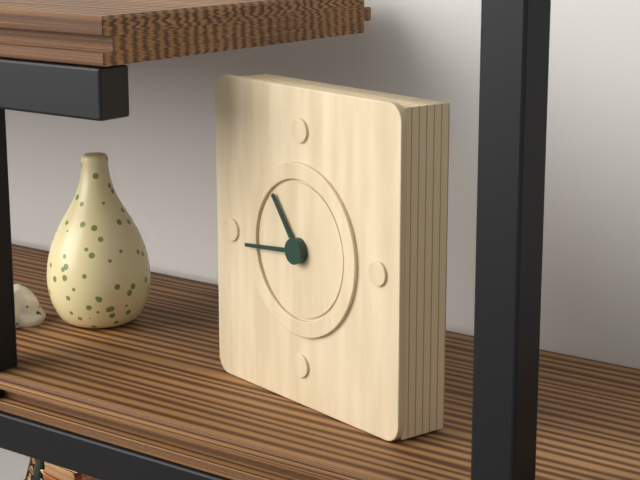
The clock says h=10 m=44
